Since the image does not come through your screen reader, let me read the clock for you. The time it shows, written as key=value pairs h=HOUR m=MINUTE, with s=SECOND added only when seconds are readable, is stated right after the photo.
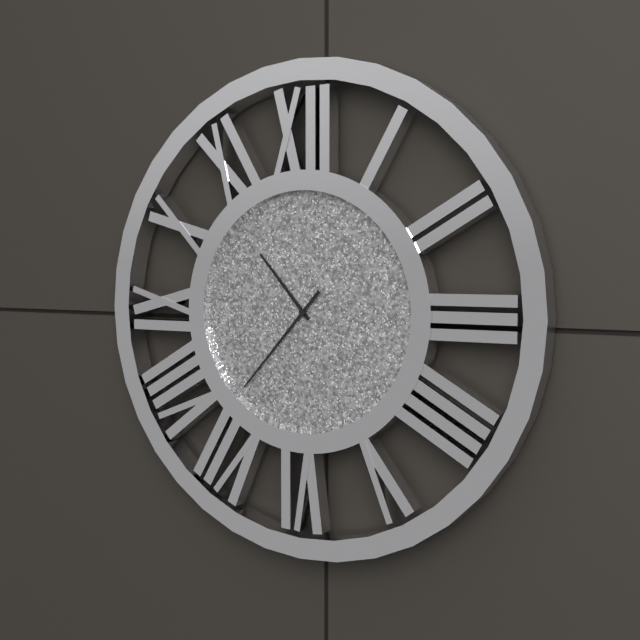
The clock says h=10 m=37
